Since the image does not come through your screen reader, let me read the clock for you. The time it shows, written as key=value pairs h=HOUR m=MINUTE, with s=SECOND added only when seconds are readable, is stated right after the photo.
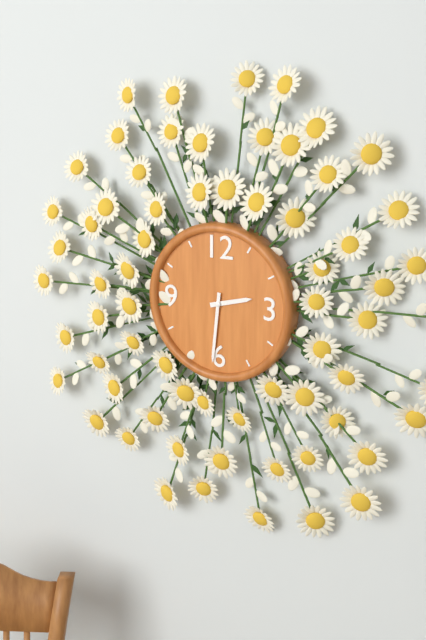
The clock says h=2 m=31
